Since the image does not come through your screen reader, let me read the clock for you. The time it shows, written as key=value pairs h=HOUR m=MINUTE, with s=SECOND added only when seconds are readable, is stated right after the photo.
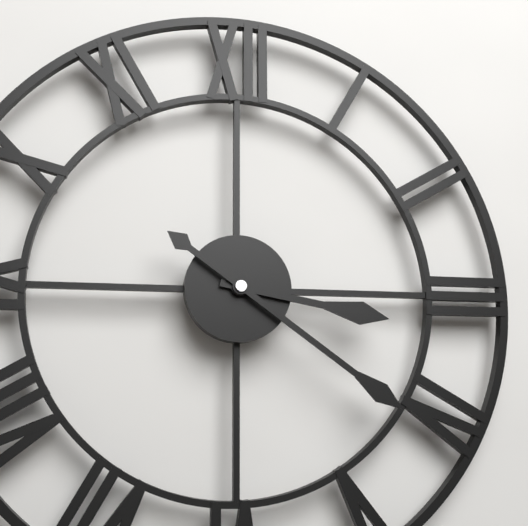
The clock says h=3 m=21
